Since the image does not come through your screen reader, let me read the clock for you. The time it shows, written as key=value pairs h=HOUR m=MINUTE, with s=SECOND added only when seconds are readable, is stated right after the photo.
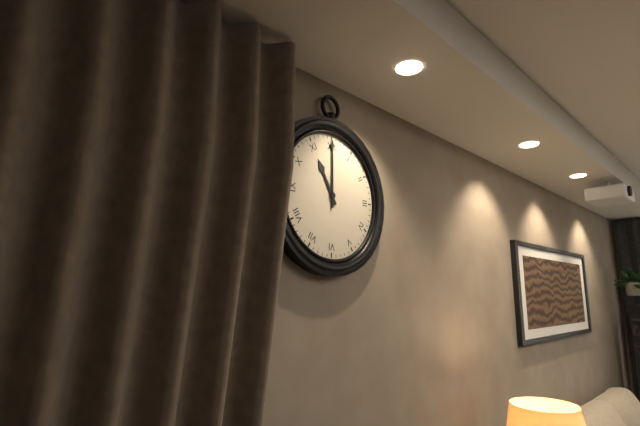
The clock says h=11 m=0
